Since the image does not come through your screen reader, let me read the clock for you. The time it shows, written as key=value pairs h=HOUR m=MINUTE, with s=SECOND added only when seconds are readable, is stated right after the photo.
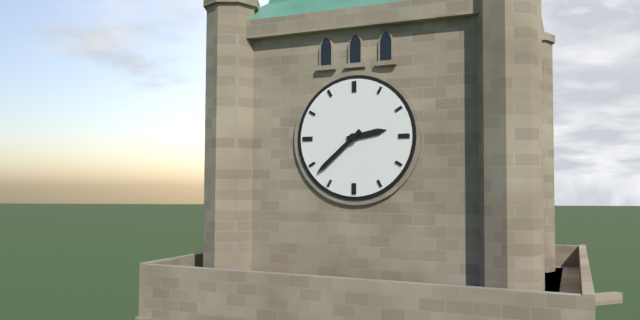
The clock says h=2 m=38
